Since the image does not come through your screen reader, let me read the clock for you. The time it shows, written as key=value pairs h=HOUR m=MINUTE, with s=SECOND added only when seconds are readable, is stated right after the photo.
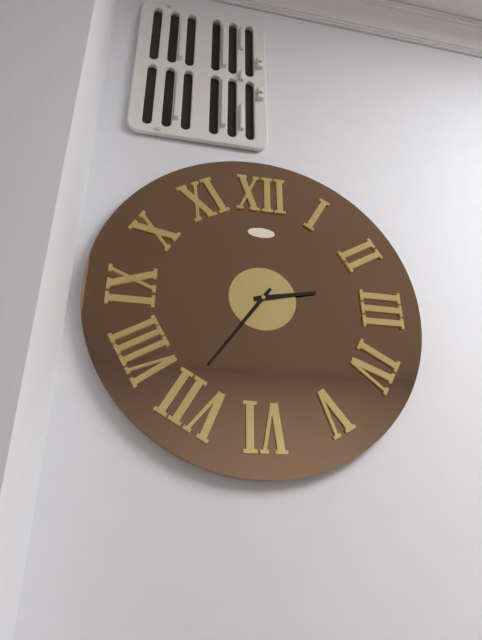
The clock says h=2 m=36
